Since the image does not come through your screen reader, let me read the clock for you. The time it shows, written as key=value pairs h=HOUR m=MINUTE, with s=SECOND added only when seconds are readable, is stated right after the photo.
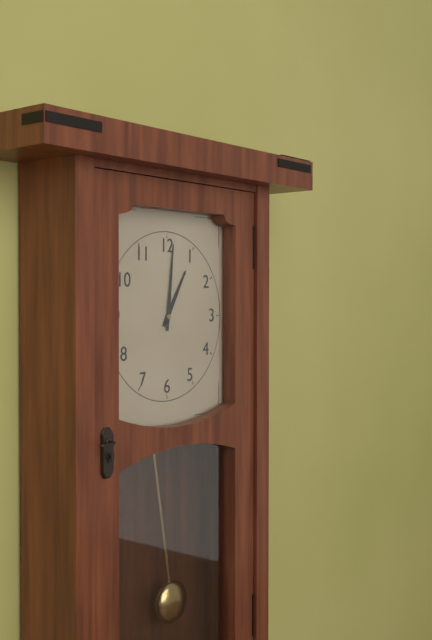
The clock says h=1 m=1
